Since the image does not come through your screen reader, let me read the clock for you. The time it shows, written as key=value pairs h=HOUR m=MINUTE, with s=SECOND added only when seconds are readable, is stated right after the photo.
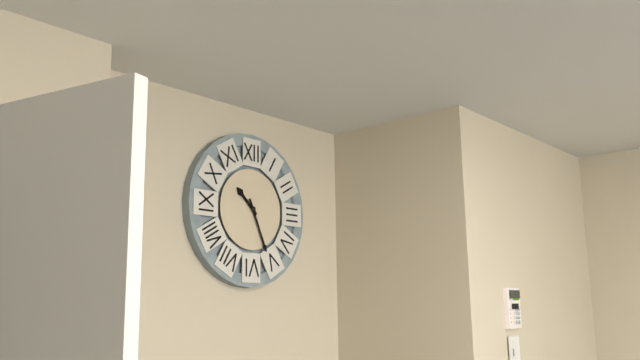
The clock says h=10 m=26
